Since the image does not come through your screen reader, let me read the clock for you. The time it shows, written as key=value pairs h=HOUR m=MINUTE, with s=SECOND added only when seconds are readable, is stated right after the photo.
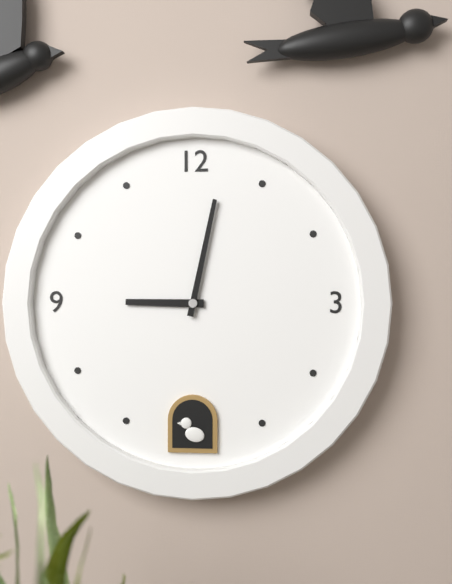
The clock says h=9 m=2
